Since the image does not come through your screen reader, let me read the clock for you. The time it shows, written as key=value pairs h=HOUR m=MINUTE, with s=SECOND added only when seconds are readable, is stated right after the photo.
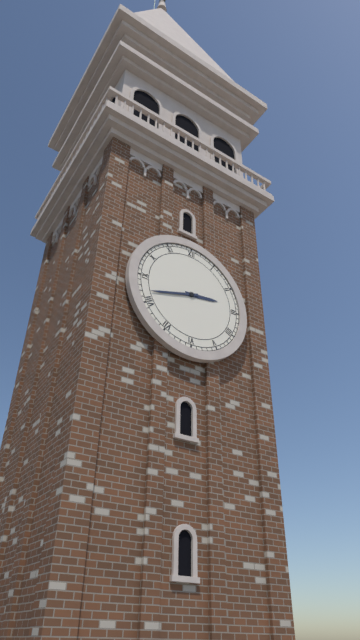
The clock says h=2 m=42
